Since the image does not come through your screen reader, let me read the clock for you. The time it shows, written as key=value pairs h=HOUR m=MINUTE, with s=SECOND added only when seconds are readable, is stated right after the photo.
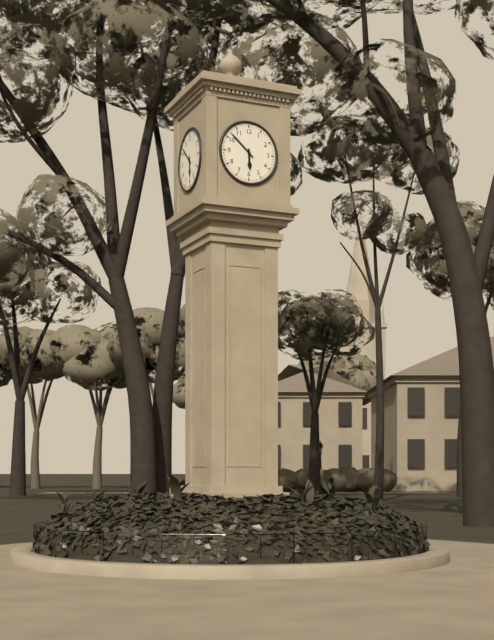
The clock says h=5 m=52
